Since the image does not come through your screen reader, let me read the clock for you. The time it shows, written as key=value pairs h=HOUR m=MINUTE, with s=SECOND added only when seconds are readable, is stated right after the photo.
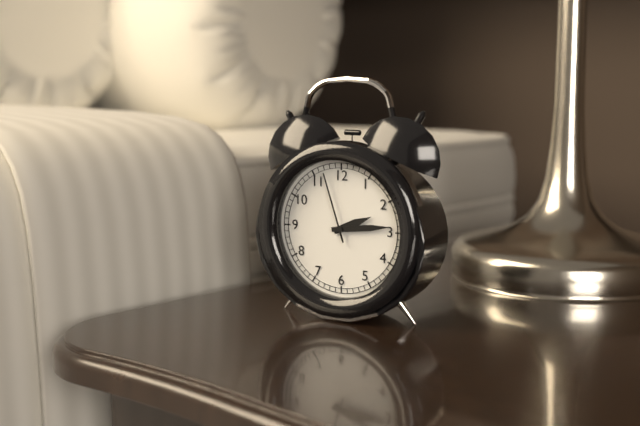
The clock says h=2 m=14 s=57
